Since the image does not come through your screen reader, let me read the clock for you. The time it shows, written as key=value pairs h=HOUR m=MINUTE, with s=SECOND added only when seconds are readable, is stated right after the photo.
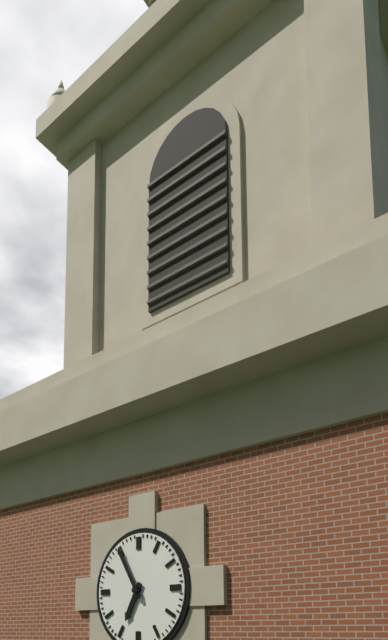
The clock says h=6 m=55
